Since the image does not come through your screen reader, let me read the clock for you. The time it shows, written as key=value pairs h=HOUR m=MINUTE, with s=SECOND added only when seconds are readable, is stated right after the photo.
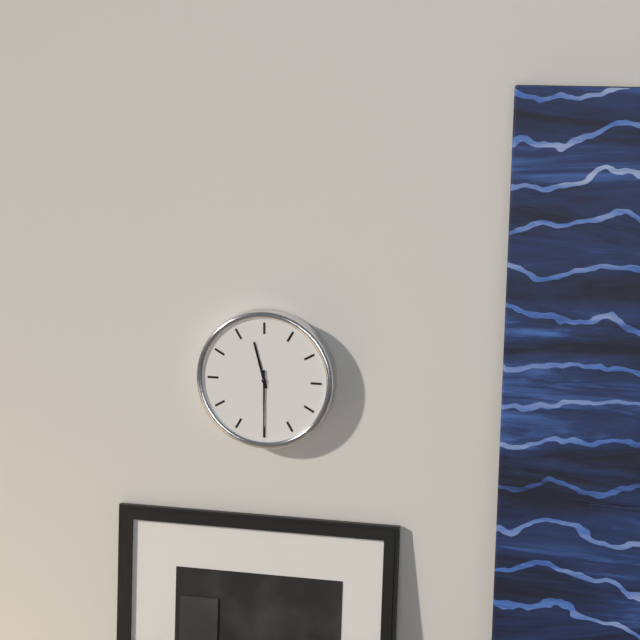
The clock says h=11 m=30
